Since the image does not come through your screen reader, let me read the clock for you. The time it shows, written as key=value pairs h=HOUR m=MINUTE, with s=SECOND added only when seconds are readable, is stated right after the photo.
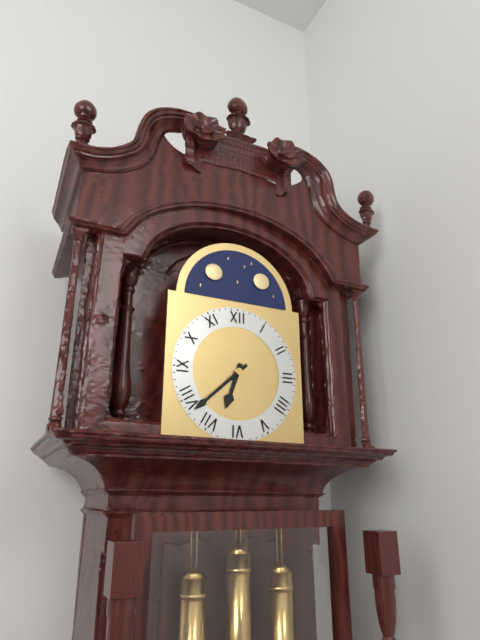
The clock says h=6 m=38
